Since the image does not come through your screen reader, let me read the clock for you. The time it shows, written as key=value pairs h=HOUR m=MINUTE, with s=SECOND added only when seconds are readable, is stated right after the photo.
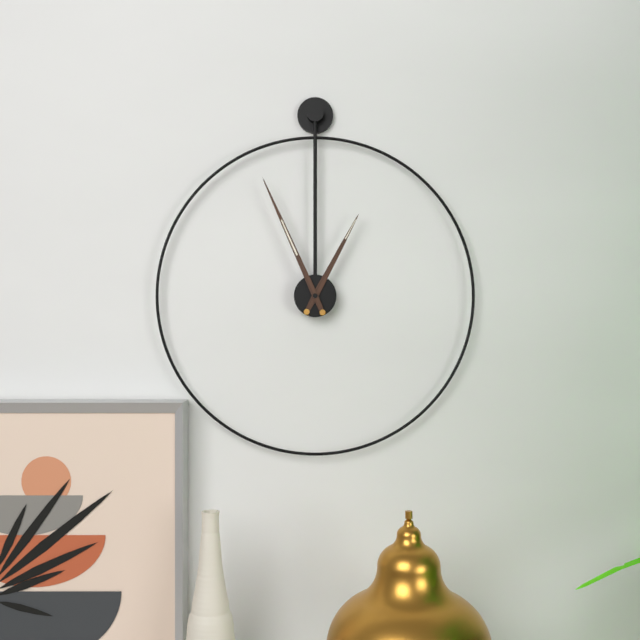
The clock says h=12 m=56
